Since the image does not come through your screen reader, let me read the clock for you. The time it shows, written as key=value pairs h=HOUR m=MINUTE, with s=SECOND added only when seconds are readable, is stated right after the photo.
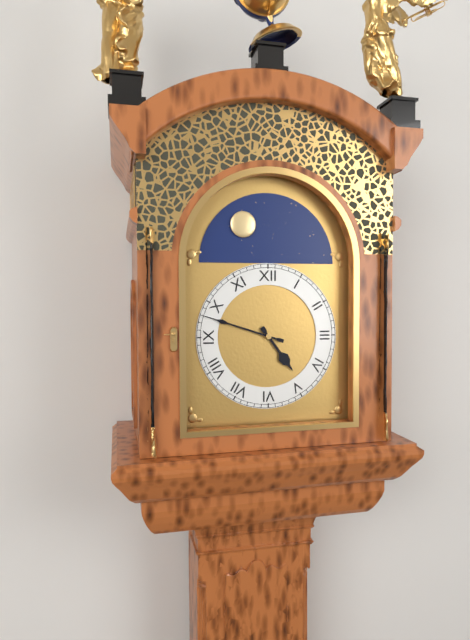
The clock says h=4 m=48
